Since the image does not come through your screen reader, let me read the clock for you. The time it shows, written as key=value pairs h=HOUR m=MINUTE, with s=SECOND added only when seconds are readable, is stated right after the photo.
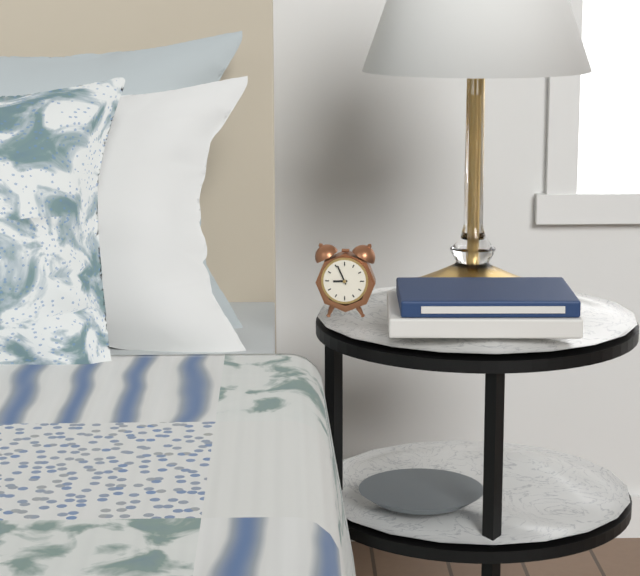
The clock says h=8 m=56
